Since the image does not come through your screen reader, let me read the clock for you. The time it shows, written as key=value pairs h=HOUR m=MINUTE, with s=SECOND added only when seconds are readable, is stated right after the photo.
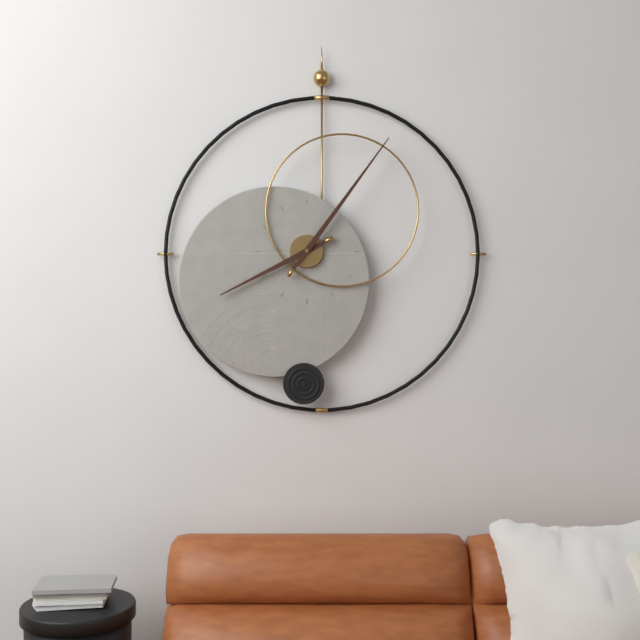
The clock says h=8 m=6
